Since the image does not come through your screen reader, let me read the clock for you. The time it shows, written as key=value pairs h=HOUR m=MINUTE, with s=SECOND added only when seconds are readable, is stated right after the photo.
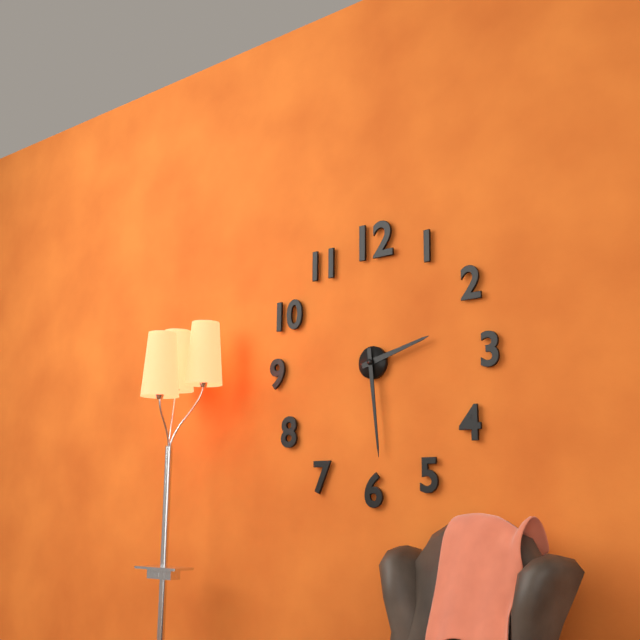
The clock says h=2 m=29
